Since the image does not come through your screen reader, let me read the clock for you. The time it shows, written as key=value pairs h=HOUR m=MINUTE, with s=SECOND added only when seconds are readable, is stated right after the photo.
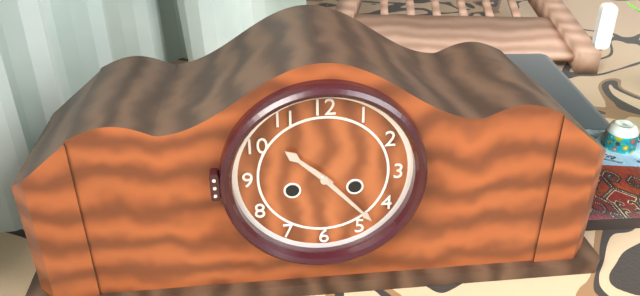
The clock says h=10 m=23
